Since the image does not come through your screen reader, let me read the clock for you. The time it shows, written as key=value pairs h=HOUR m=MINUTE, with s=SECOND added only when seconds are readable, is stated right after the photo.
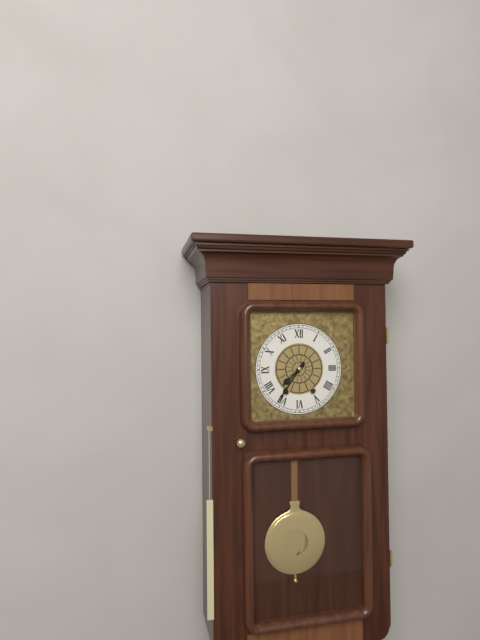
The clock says h=7 m=36
